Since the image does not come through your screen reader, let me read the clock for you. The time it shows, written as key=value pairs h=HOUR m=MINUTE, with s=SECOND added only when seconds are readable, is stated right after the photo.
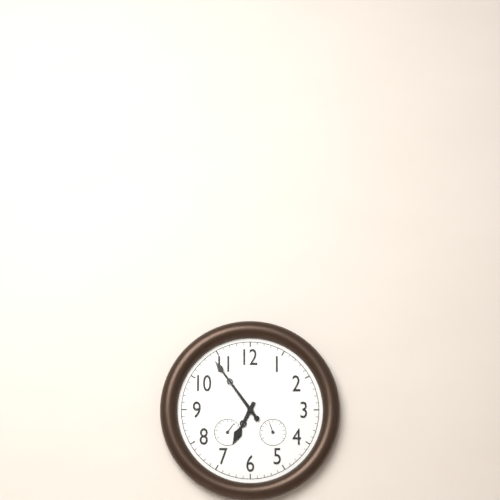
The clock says h=6 m=54
